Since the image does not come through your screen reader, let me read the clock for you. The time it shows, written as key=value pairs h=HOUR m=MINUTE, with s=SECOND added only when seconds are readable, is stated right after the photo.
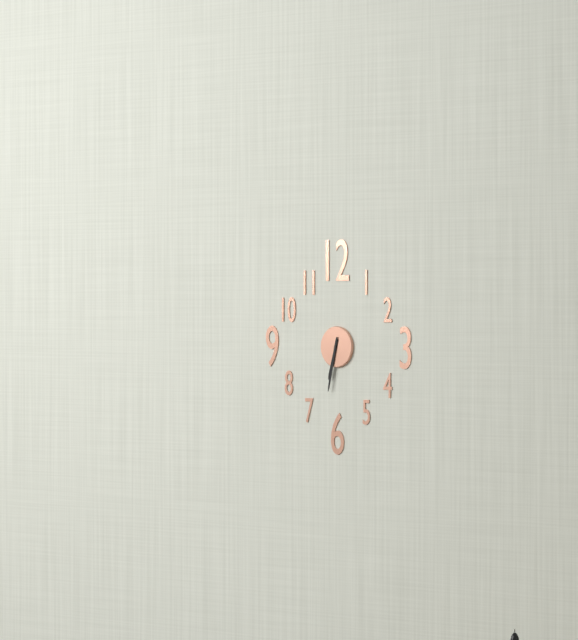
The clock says h=6 m=32
